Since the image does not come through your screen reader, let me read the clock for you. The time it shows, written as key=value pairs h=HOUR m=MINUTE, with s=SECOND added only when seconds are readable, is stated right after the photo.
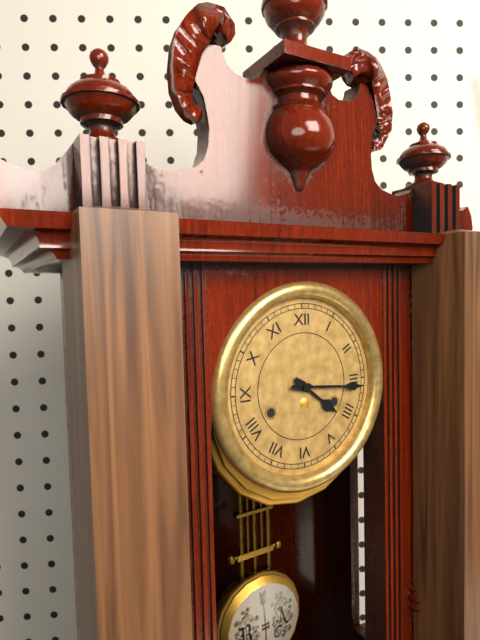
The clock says h=4 m=16
